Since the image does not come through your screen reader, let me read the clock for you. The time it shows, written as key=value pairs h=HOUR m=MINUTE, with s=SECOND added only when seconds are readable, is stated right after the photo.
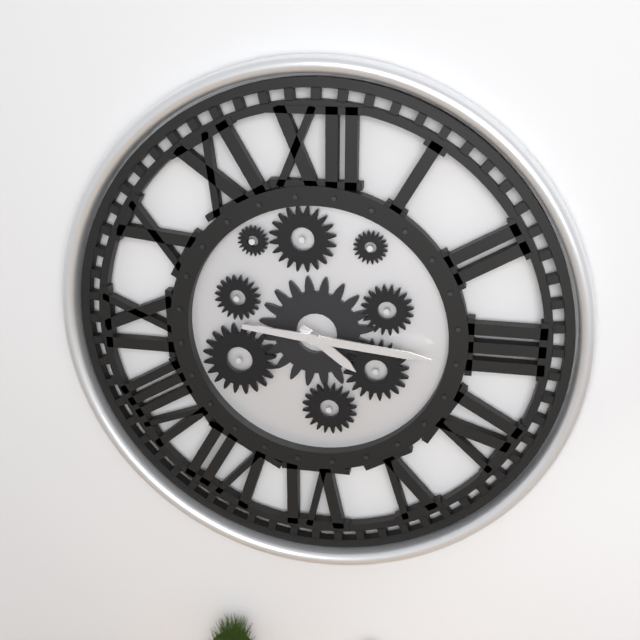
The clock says h=4 m=16
